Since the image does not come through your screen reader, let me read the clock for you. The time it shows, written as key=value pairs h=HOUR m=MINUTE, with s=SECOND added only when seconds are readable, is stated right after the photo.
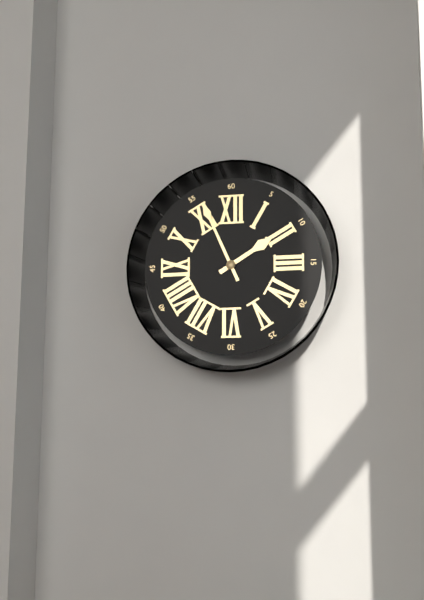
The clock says h=1 m=56
